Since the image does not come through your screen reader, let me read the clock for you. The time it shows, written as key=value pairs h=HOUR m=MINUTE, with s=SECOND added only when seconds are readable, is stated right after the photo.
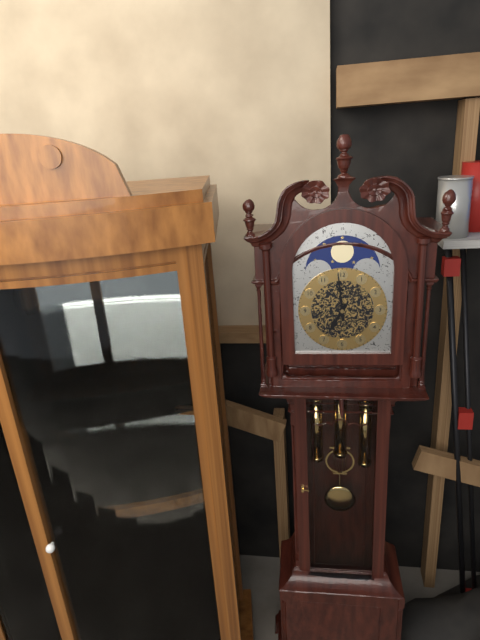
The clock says h=6 m=59
